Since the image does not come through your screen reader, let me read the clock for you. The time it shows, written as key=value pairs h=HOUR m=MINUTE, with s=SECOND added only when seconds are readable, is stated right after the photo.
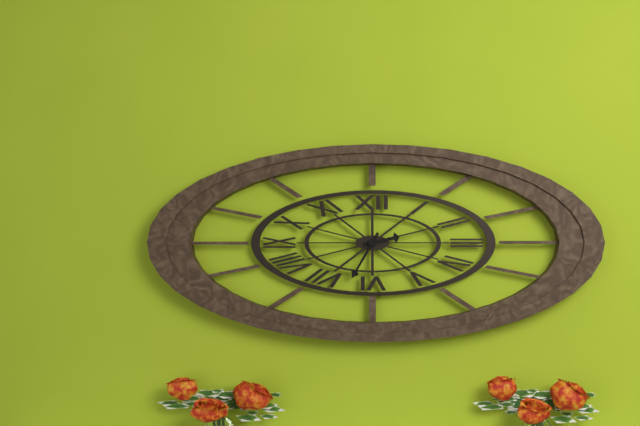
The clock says h=2 m=35
